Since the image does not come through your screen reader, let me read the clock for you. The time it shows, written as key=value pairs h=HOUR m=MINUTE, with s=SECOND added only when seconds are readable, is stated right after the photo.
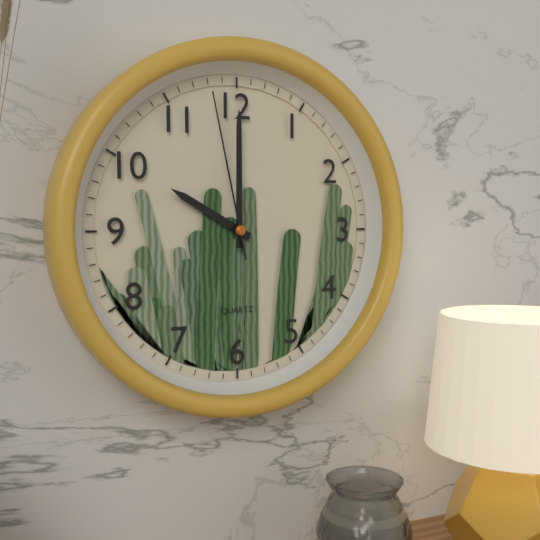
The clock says h=10 m=0 s=58
